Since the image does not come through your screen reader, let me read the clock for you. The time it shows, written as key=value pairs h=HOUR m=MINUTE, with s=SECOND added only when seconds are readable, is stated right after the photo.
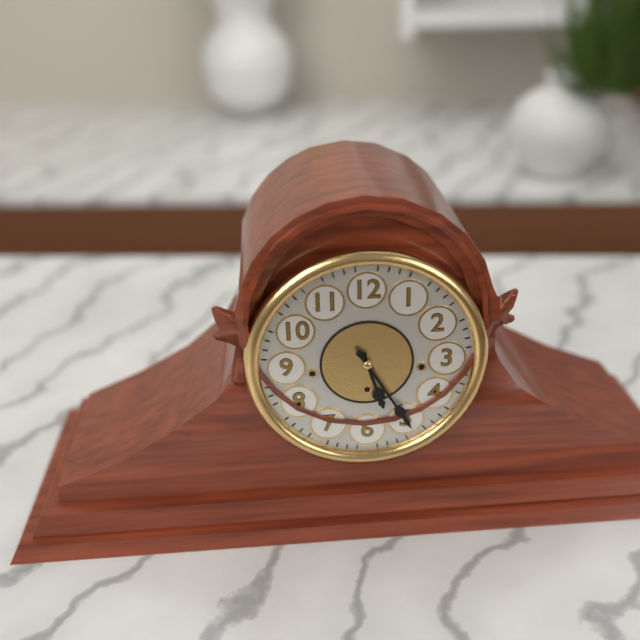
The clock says h=5 m=25
